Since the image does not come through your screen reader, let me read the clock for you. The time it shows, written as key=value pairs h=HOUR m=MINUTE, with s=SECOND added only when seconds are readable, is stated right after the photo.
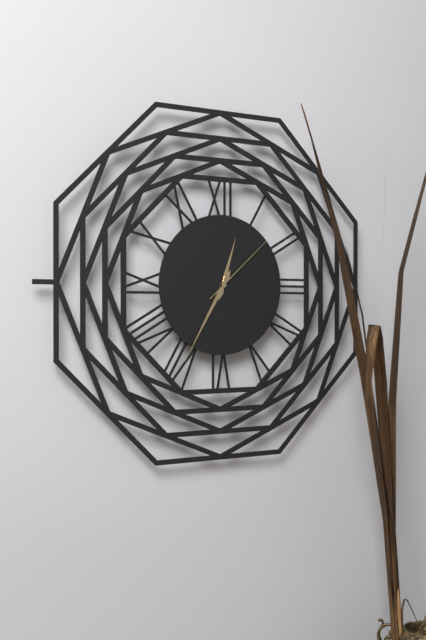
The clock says h=12 m=35 s=8
